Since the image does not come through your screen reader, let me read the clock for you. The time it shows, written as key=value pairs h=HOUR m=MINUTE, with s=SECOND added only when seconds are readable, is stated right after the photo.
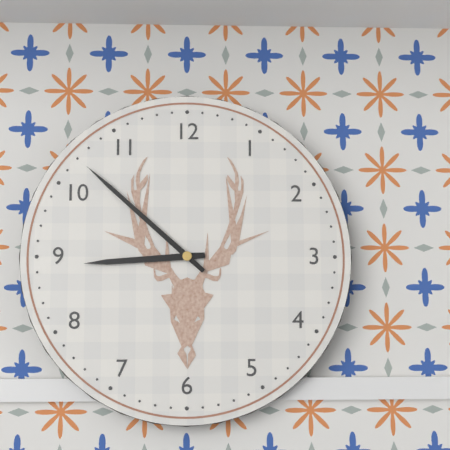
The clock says h=8 m=52
